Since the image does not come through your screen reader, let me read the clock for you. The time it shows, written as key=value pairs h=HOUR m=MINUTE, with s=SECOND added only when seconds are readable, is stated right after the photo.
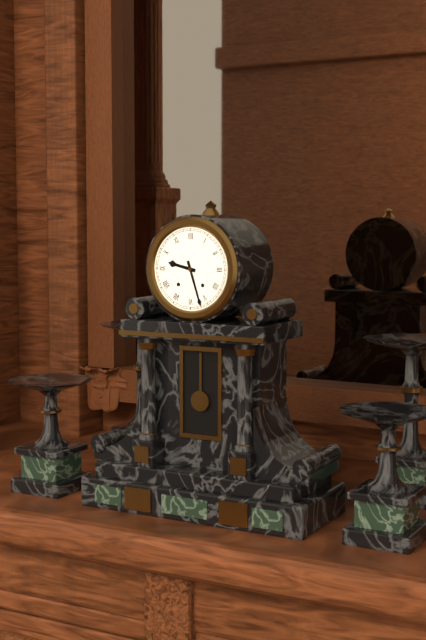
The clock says h=9 m=27
